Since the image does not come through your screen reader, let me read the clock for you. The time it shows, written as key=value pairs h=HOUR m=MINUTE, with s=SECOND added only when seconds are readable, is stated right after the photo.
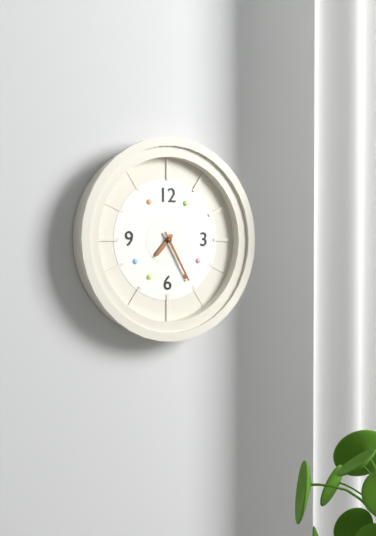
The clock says h=7 m=25
